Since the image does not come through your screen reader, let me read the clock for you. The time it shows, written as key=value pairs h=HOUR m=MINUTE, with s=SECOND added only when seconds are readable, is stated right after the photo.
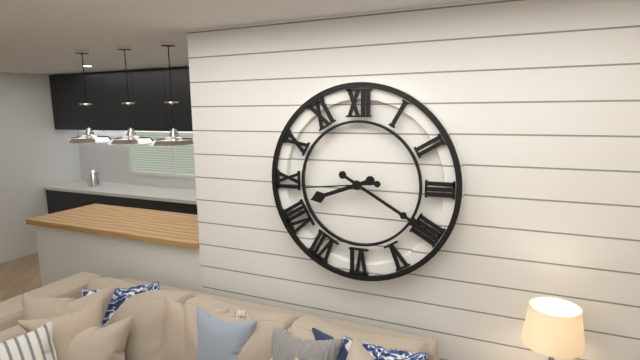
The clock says h=8 m=20 s=44
